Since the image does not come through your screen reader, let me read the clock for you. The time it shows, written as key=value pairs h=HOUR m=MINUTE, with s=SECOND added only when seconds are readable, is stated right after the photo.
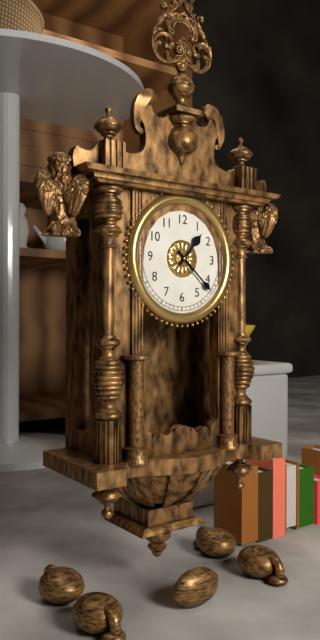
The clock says h=1 m=22
